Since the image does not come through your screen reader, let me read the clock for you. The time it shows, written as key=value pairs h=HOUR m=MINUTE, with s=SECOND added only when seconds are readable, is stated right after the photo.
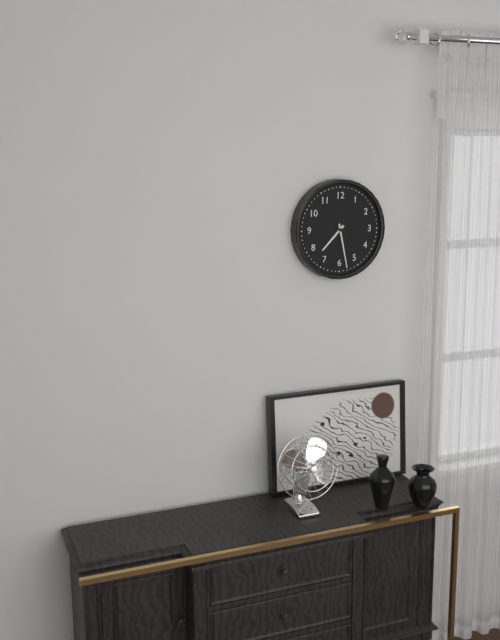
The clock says h=7 m=28
